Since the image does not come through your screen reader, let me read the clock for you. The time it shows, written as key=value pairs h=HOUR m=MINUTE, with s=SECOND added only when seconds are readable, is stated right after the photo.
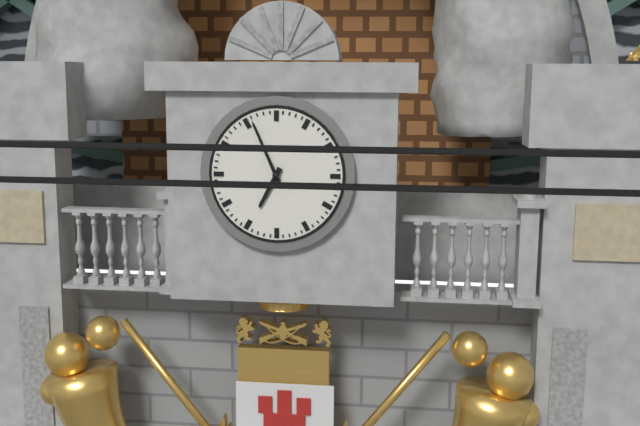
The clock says h=6 m=56
